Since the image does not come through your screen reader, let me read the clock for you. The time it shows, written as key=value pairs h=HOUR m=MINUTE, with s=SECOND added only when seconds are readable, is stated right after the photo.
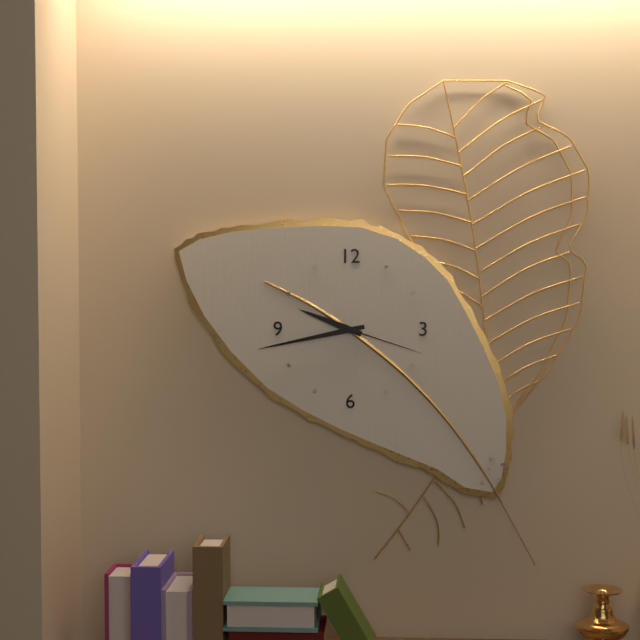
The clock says h=9 m=43 s=18
